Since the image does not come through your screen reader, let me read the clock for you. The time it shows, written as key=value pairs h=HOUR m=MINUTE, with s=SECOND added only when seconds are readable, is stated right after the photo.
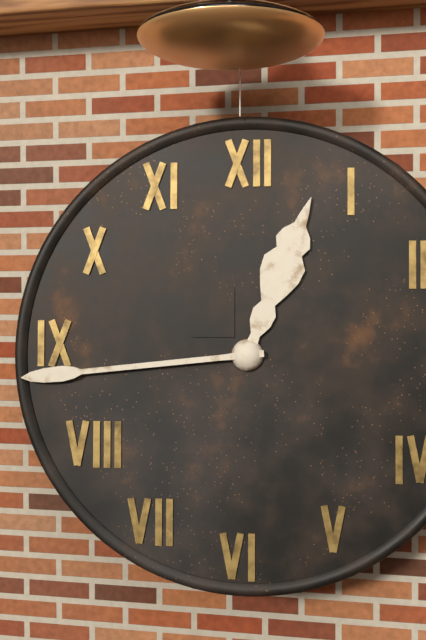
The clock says h=12 m=44
